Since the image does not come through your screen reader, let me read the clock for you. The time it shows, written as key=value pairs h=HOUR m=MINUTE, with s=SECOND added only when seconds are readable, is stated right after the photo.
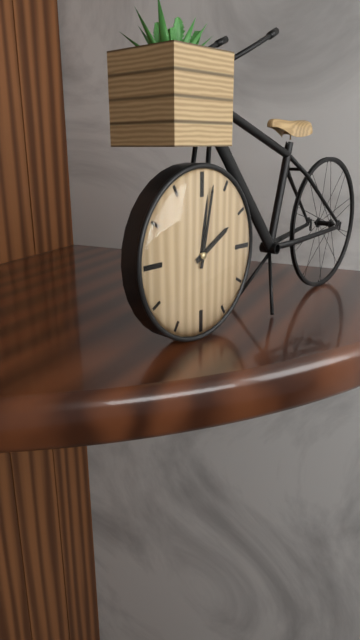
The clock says h=2 m=2
